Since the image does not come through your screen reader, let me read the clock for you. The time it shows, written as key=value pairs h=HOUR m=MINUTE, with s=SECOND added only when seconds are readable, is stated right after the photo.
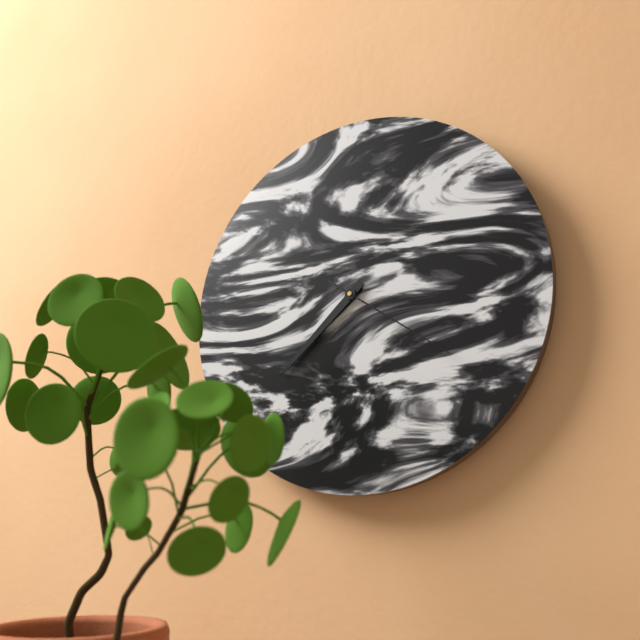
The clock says h=7 m=38 s=21
